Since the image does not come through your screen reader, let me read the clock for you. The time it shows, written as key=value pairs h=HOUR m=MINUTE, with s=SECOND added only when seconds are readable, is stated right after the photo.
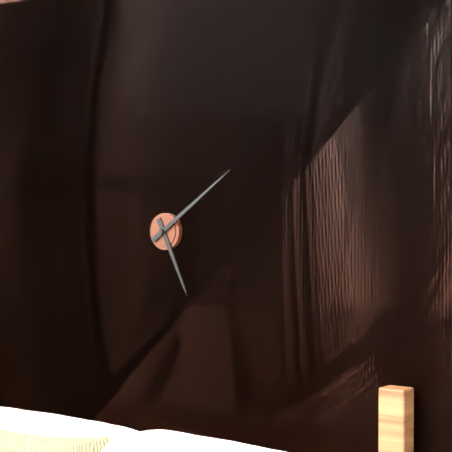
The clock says h=5 m=9
